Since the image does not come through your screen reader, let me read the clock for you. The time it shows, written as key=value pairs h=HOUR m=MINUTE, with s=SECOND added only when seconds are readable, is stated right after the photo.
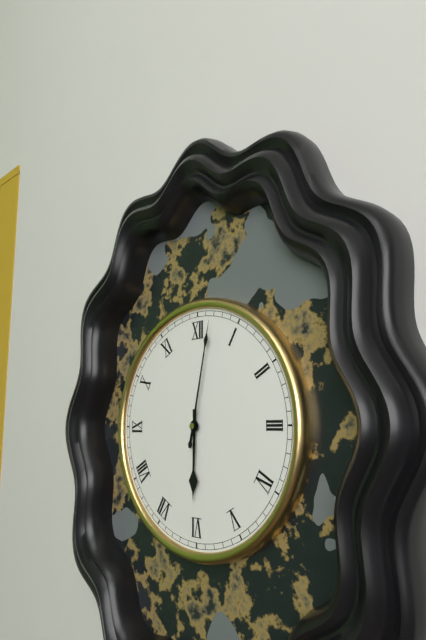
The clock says h=6 m=2
